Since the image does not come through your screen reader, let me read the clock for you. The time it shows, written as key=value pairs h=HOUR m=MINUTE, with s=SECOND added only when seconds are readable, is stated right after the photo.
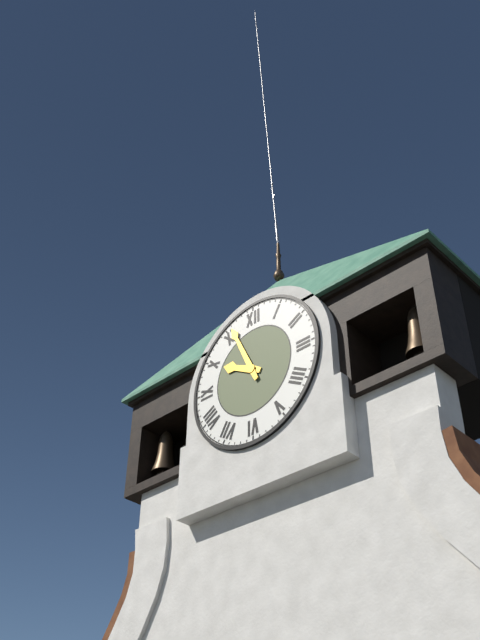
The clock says h=9 m=56
